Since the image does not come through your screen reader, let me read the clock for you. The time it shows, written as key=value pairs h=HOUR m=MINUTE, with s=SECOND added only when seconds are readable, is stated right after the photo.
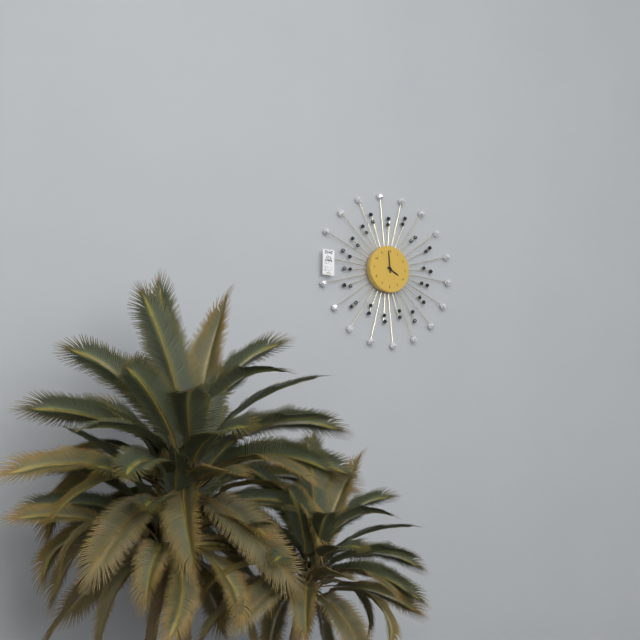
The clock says h=3 m=59
